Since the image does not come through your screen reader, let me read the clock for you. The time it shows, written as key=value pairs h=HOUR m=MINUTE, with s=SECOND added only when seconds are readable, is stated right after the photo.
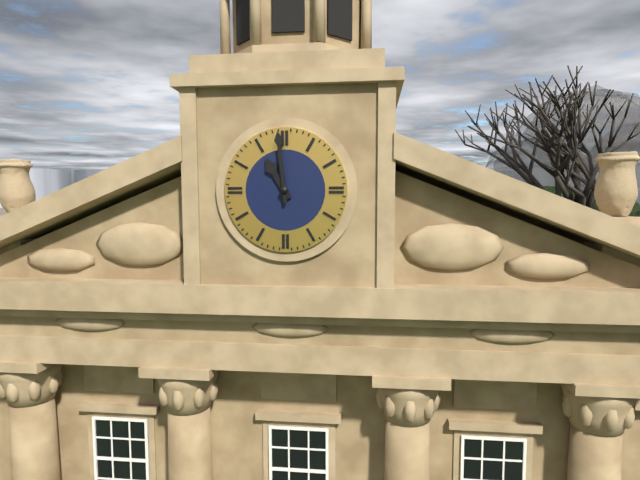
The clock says h=10 m=59
